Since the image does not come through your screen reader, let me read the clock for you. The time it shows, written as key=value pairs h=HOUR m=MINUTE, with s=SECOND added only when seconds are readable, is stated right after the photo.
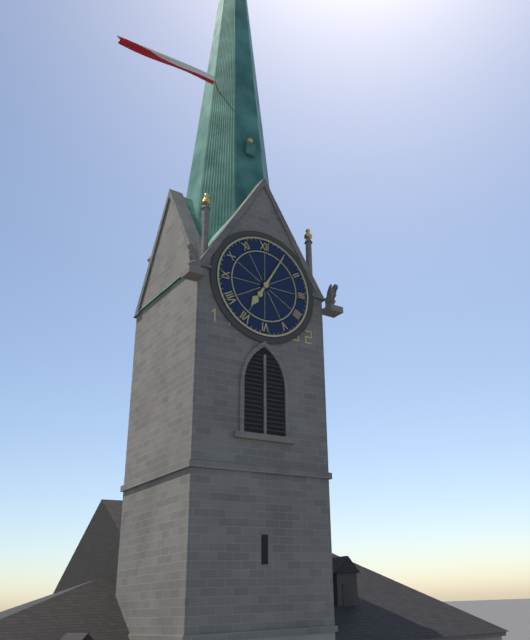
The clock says h=7 m=5
